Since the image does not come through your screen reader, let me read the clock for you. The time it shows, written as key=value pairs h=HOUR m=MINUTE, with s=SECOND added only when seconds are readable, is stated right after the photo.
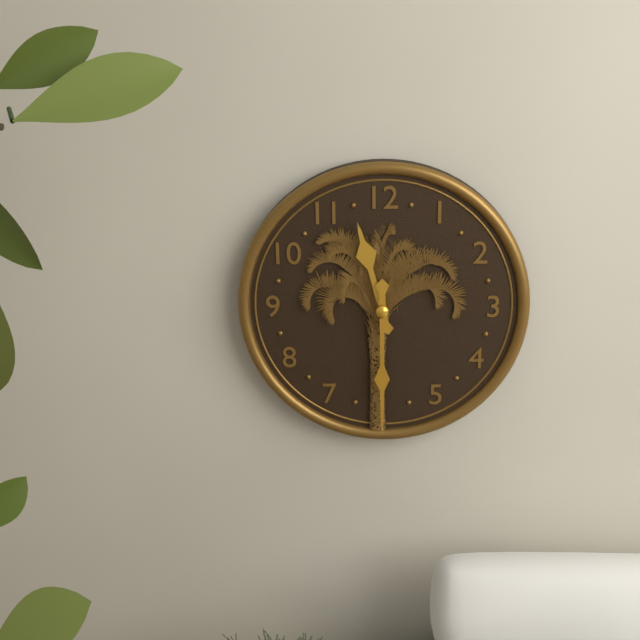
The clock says h=11 m=30
